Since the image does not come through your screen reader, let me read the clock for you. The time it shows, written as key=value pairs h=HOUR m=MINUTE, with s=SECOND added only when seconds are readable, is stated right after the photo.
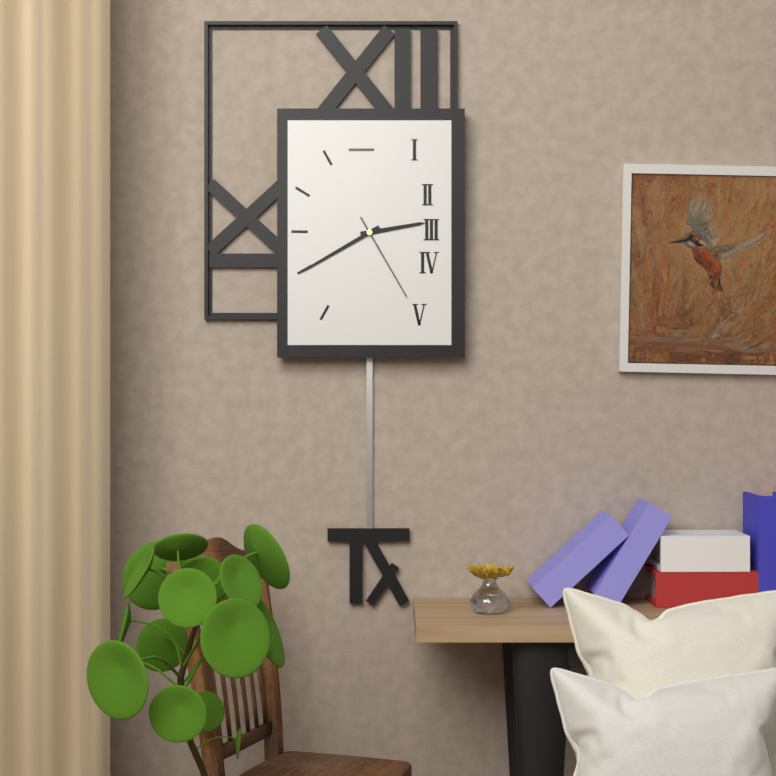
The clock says h=2 m=40 s=25
